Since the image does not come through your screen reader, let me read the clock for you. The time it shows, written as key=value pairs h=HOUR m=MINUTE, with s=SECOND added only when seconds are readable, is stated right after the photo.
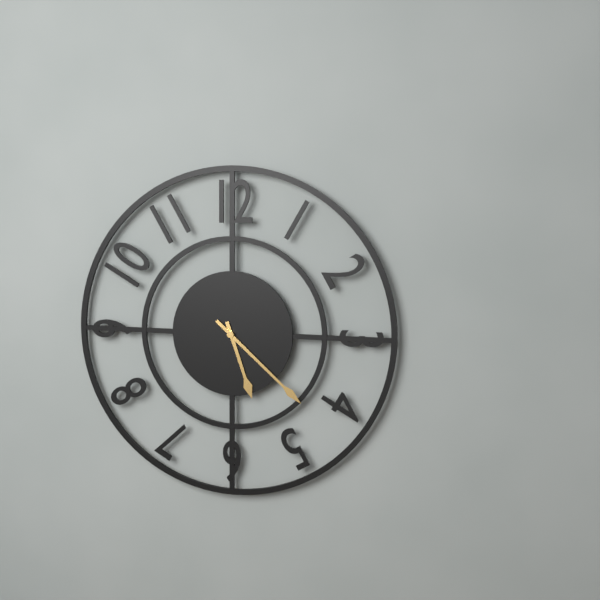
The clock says h=5 m=22
